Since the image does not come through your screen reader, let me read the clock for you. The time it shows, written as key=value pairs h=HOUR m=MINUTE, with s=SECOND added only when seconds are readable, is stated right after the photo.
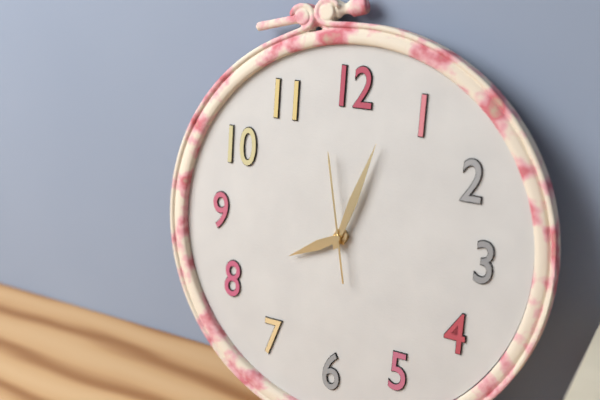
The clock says h=8 m=3 s=58
